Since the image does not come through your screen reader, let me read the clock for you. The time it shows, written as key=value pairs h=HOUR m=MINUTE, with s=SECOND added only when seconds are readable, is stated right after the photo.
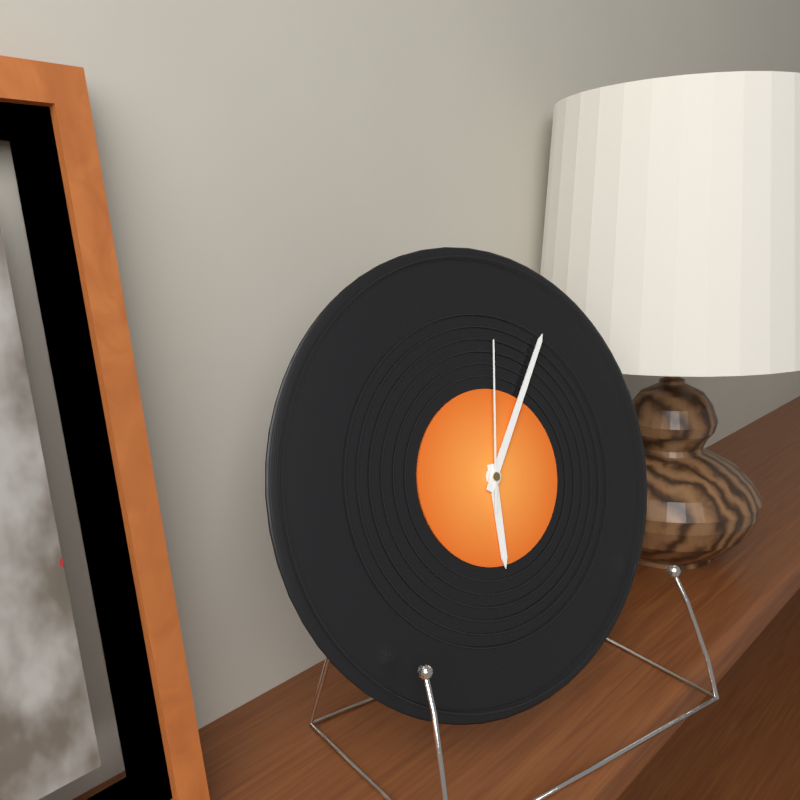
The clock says h=6 m=6 s=2
